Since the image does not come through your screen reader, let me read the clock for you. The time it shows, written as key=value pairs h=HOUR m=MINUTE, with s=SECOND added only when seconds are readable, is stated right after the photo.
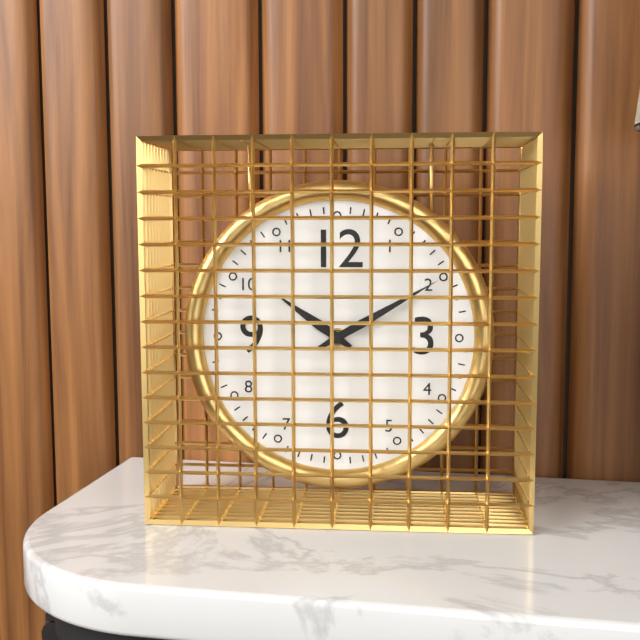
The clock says h=10 m=10
